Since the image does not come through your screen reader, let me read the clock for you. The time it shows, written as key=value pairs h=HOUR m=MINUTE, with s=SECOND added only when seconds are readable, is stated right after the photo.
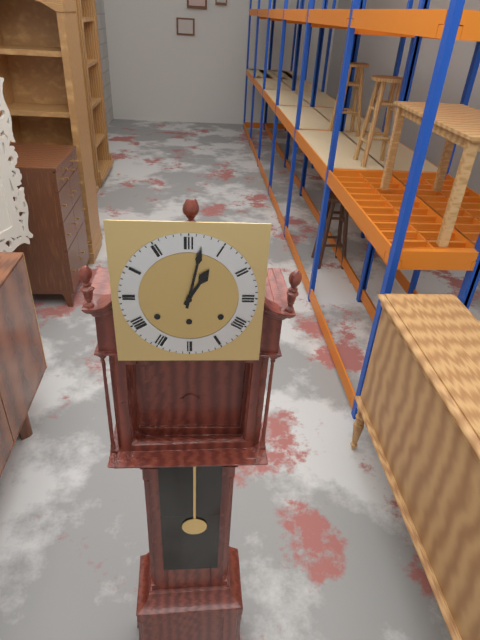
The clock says h=1 m=2
